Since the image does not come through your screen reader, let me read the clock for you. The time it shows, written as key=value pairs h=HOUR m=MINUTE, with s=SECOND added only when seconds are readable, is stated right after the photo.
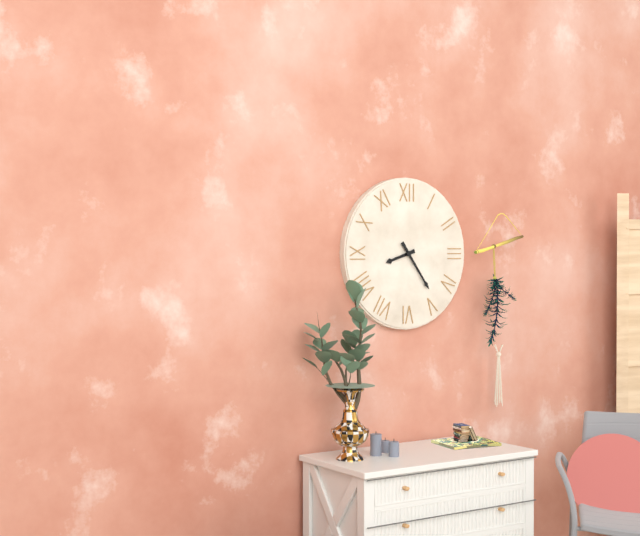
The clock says h=8 m=24
